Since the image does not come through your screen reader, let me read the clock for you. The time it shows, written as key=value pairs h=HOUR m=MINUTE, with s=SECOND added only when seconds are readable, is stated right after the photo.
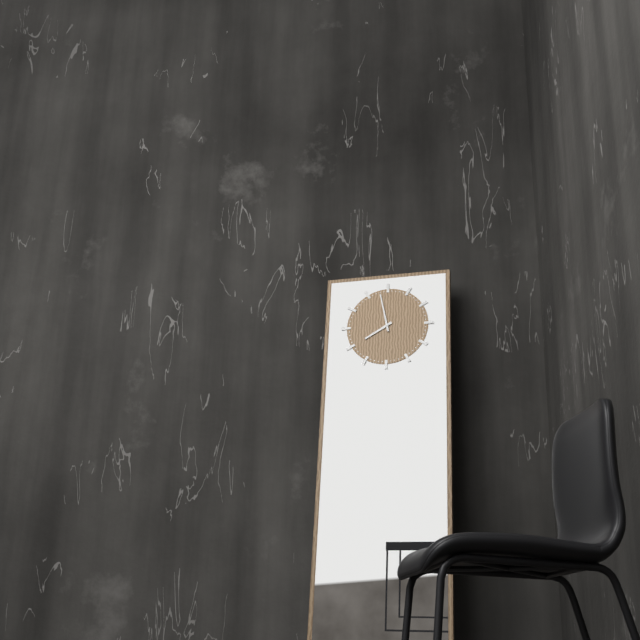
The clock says h=7 m=58
